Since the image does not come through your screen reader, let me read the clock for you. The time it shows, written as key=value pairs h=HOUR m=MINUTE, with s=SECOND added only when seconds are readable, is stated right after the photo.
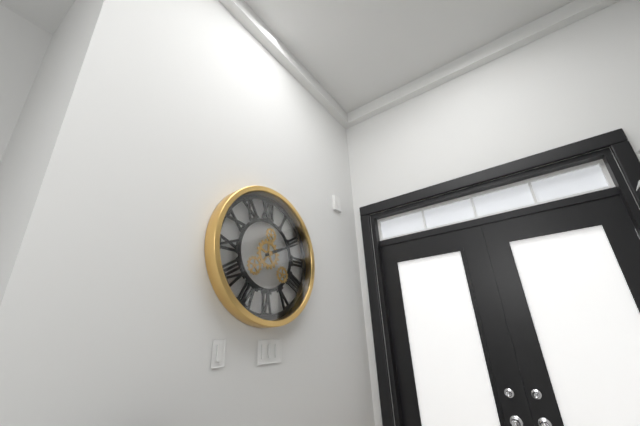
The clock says h=2 m=11
